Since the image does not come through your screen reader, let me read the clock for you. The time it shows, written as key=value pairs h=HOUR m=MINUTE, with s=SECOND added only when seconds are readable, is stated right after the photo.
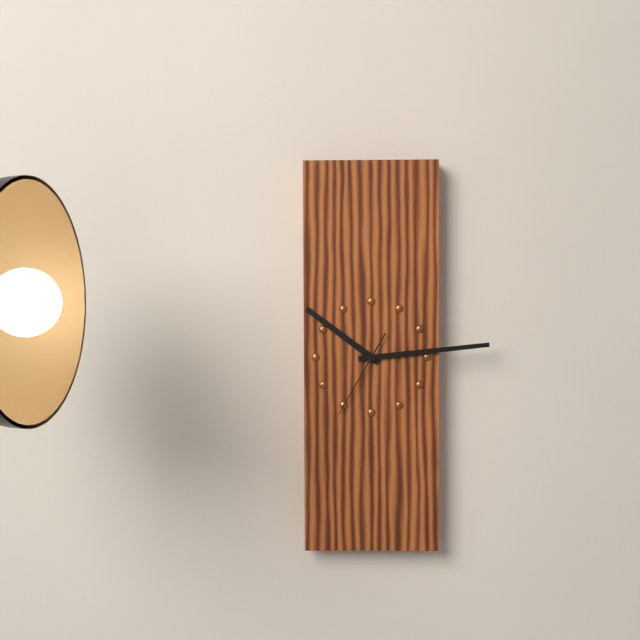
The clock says h=10 m=14 s=35
